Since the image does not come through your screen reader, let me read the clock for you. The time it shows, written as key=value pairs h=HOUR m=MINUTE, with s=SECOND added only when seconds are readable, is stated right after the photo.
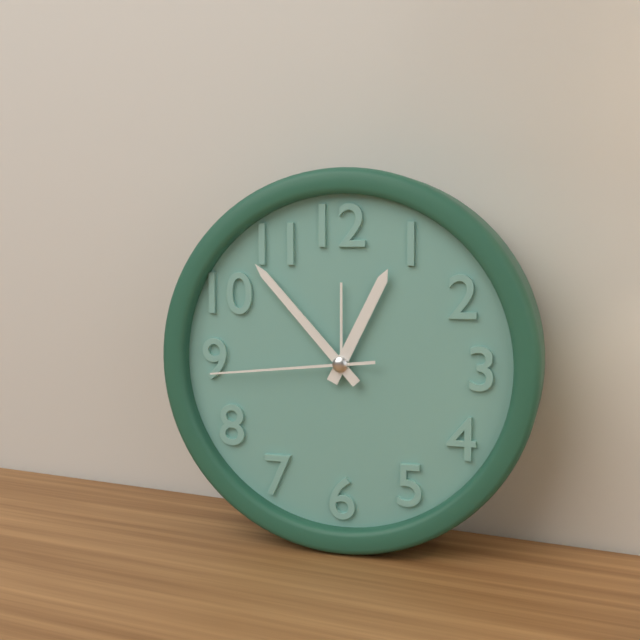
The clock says h=12 m=53 s=44
